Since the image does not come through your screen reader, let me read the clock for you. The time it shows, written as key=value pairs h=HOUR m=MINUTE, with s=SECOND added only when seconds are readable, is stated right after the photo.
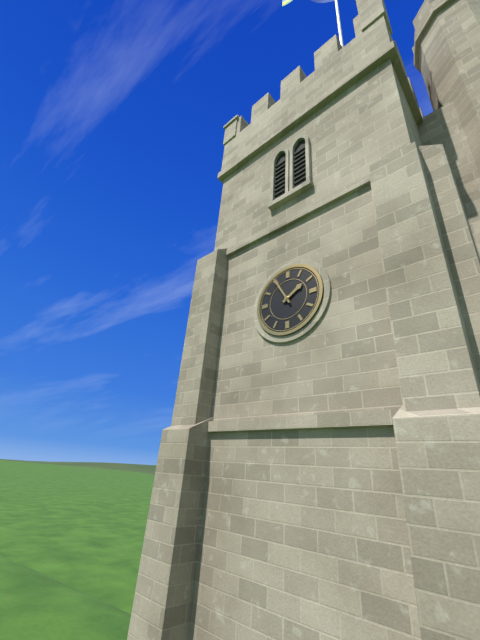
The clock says h=1 m=55
